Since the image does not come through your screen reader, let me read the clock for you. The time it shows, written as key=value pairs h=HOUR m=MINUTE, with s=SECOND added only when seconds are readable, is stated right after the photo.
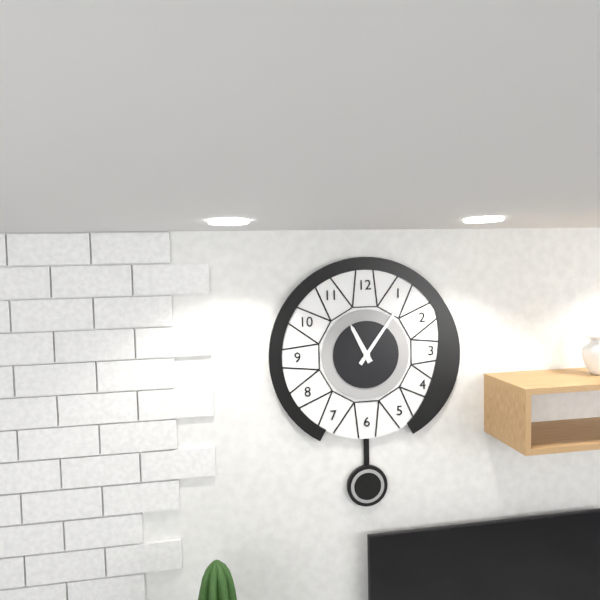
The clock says h=11 m=6
